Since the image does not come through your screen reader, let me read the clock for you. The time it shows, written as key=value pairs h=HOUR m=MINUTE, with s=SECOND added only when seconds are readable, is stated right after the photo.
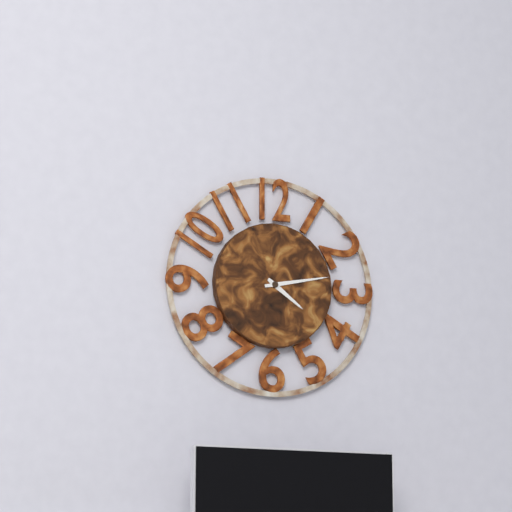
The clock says h=4 m=13
